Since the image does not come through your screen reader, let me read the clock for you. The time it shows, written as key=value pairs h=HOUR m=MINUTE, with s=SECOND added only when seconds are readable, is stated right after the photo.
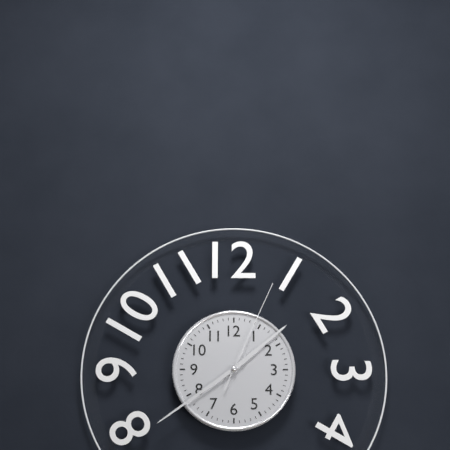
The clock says h=1 m=39 s=4
